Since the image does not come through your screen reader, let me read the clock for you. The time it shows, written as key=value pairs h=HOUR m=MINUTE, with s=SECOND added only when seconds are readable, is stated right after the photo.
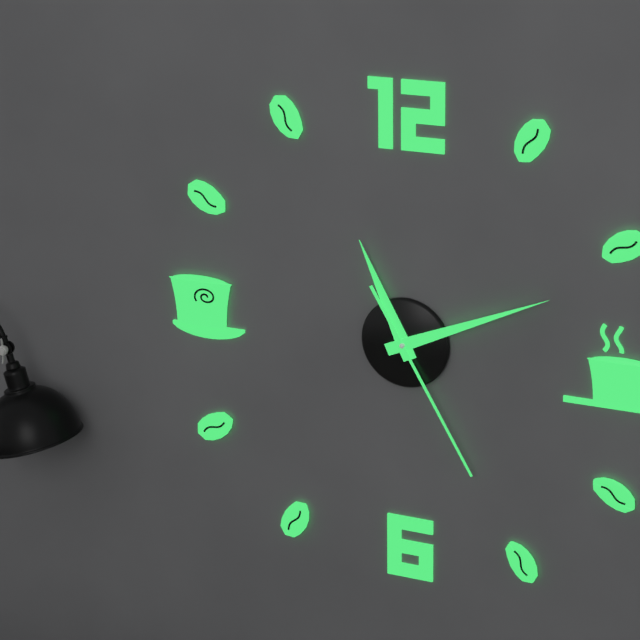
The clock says h=11 m=11 s=25
